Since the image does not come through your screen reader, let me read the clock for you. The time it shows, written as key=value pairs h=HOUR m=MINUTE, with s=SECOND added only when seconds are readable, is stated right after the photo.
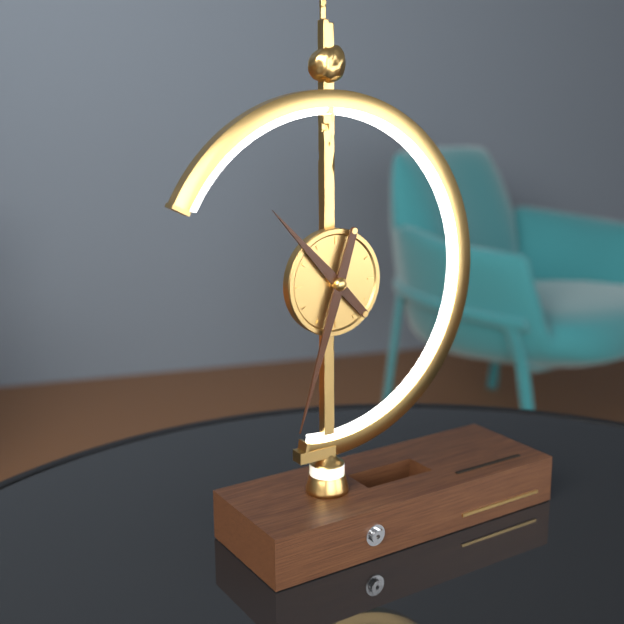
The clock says h=10 m=33
